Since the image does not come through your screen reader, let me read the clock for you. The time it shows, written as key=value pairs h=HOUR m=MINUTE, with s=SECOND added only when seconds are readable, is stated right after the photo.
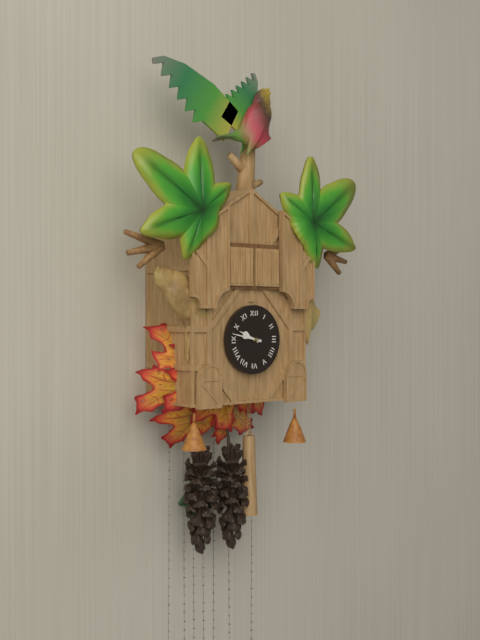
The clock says h=9 m=47
